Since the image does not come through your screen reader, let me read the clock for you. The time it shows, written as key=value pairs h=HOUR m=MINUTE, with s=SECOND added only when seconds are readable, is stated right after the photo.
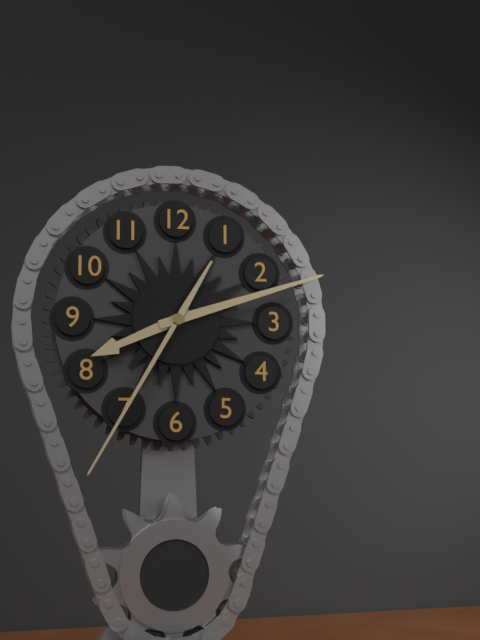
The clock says h=8 m=12 s=35
